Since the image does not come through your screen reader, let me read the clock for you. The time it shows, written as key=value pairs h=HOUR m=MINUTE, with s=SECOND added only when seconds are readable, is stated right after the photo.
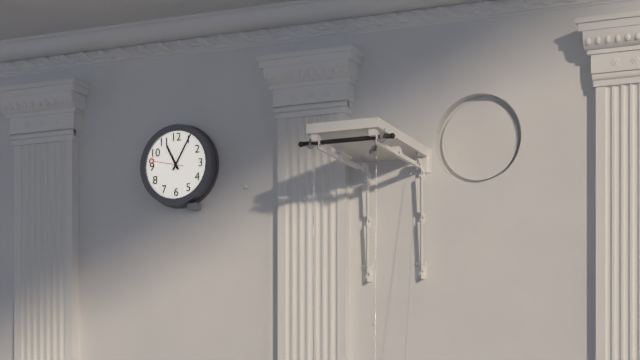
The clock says h=11 m=5
